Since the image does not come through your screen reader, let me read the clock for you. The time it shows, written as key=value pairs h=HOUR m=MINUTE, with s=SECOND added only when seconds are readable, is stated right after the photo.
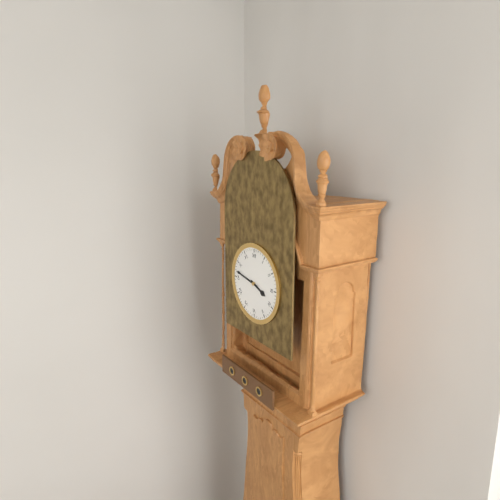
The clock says h=3 m=47
